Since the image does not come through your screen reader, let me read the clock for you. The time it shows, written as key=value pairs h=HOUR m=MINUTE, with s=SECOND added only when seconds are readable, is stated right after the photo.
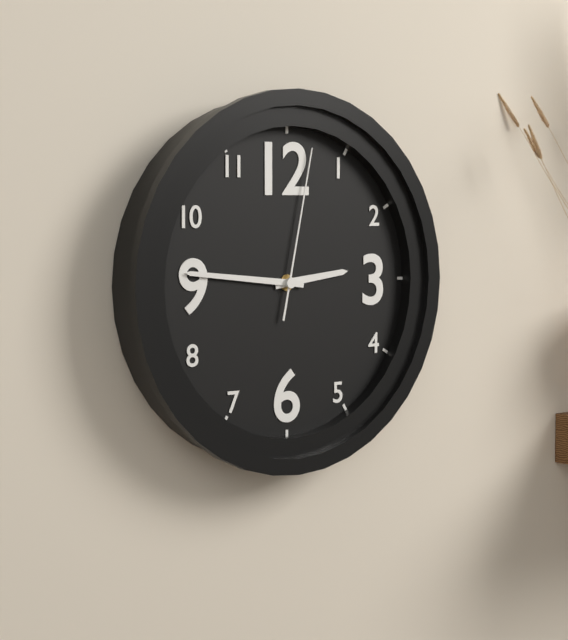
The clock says h=2 m=46 s=2
